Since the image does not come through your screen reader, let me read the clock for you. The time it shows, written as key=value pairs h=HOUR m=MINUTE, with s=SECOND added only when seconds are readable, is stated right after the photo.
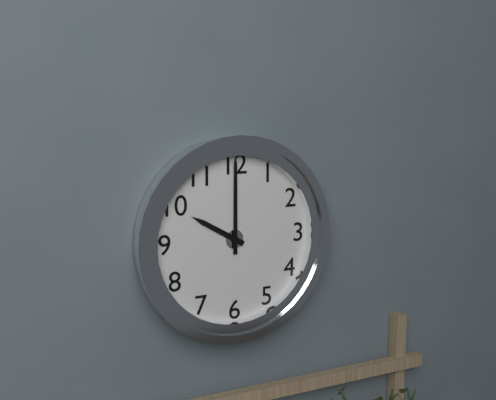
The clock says h=10 m=0
